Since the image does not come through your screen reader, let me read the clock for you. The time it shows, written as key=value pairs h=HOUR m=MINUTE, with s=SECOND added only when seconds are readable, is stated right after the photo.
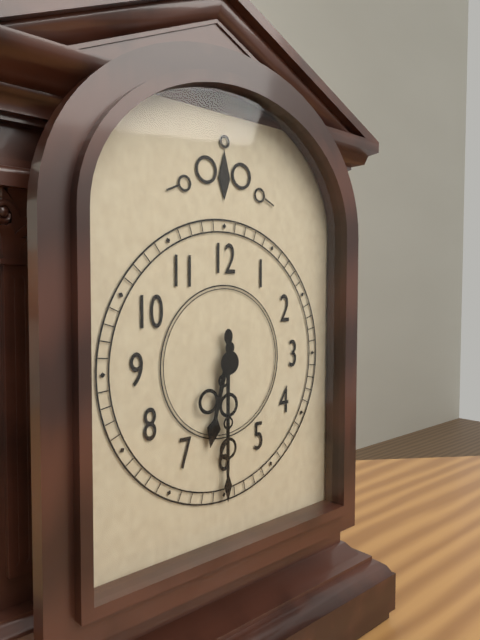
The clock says h=6 m=30
